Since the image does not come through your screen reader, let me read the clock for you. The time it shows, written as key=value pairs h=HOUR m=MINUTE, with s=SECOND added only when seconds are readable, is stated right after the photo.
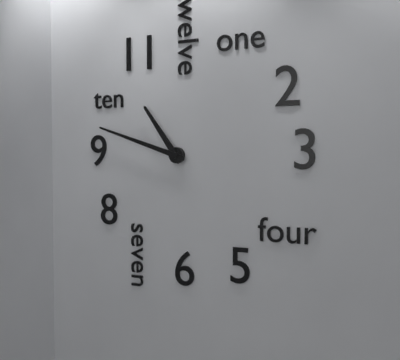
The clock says h=10 m=48
